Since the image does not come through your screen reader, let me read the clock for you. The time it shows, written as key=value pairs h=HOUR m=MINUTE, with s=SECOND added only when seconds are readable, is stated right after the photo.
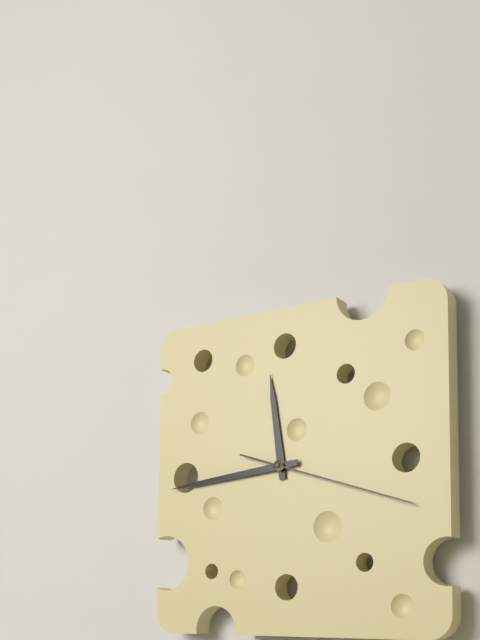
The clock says h=11 m=44 s=18
